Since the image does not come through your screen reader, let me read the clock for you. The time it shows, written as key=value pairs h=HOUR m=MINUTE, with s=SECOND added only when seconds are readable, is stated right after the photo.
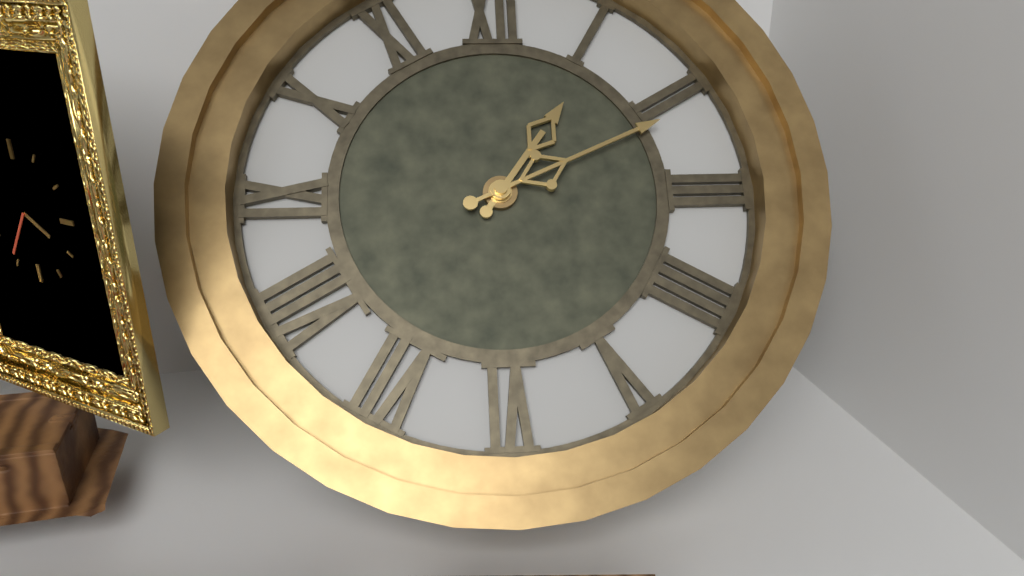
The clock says h=1 m=11
